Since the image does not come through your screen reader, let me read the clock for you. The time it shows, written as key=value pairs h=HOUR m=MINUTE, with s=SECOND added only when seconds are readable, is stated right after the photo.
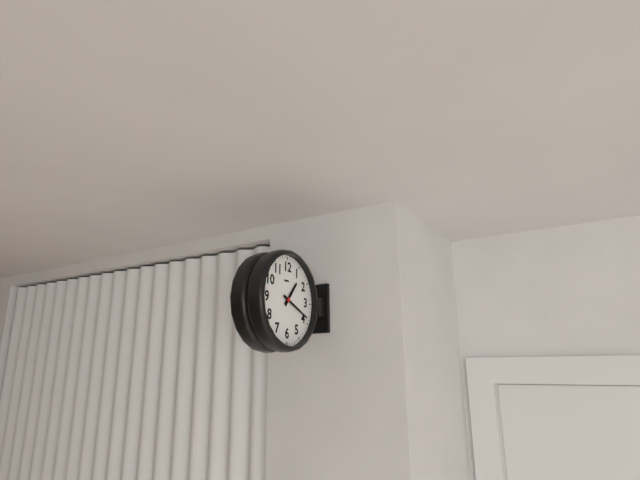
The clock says h=1 m=19
